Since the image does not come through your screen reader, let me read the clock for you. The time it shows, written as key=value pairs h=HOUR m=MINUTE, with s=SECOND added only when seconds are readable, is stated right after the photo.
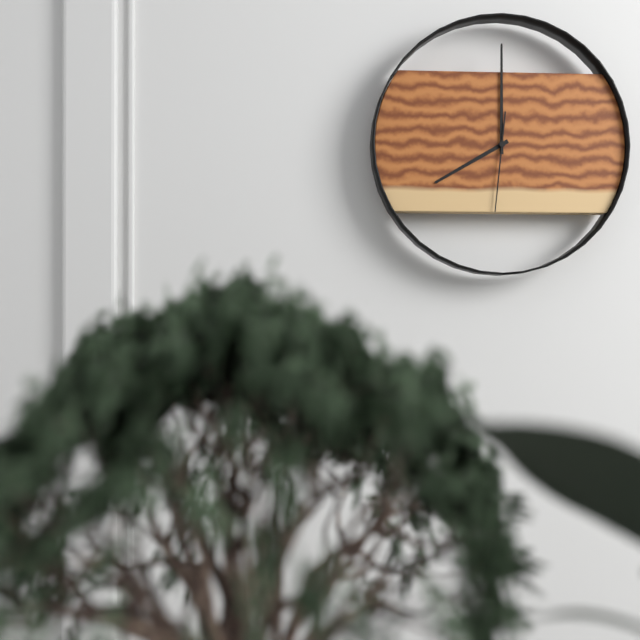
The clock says h=8 m=0 s=31
